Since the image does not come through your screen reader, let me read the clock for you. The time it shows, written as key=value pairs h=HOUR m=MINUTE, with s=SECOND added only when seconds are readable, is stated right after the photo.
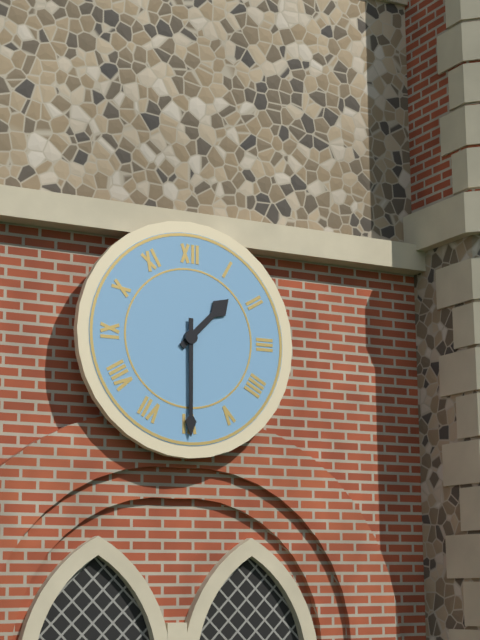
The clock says h=1 m=30
